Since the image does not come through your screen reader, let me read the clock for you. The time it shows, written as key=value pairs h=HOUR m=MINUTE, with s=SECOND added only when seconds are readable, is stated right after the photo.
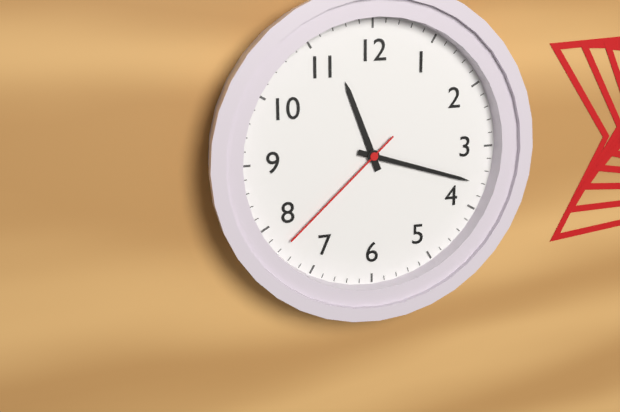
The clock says h=11 m=18 s=38
